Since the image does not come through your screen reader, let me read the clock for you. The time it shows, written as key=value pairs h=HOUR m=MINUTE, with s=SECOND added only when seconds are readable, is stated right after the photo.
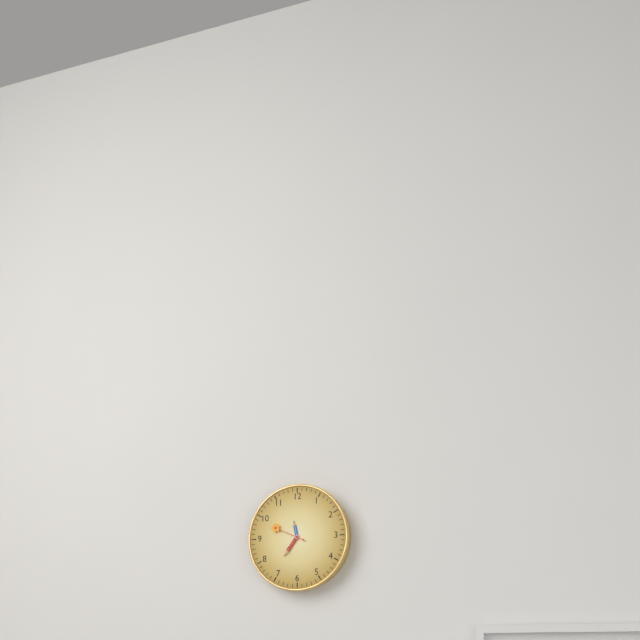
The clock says h=11 m=36
